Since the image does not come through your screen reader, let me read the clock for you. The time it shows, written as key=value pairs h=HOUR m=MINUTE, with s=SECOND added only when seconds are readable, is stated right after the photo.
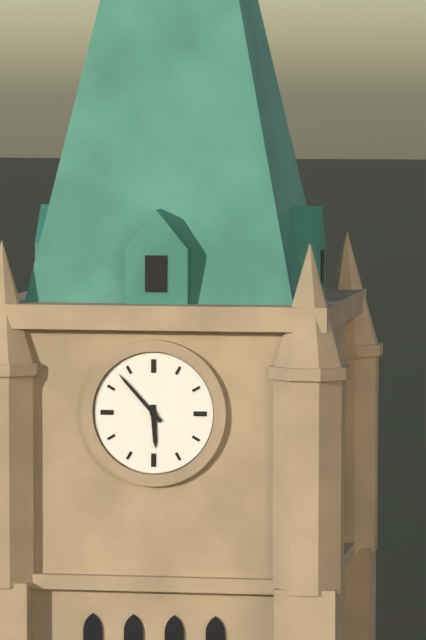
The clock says h=5 m=53
